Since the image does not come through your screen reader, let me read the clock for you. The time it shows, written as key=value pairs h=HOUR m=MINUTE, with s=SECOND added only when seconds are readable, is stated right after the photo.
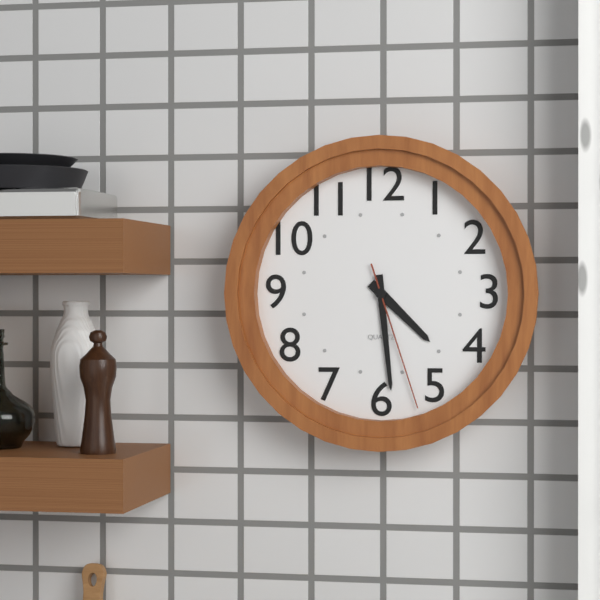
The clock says h=4 m=29 s=27
